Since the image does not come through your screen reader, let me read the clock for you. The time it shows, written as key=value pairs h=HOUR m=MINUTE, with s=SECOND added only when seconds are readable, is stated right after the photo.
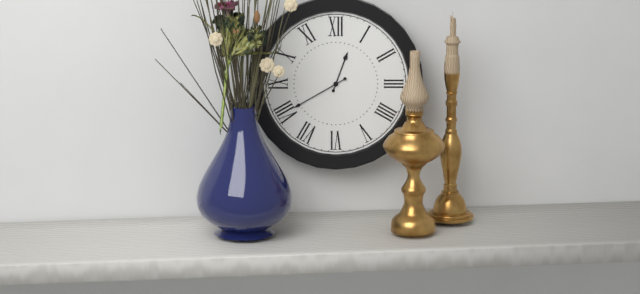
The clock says h=12 m=40
